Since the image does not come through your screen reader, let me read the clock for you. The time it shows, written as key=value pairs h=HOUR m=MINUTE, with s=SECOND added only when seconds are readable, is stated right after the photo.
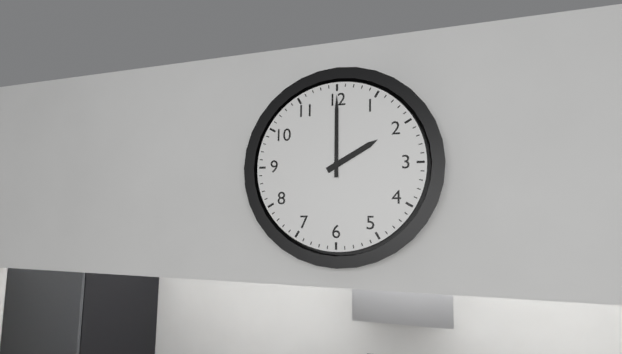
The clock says h=2 m=0
